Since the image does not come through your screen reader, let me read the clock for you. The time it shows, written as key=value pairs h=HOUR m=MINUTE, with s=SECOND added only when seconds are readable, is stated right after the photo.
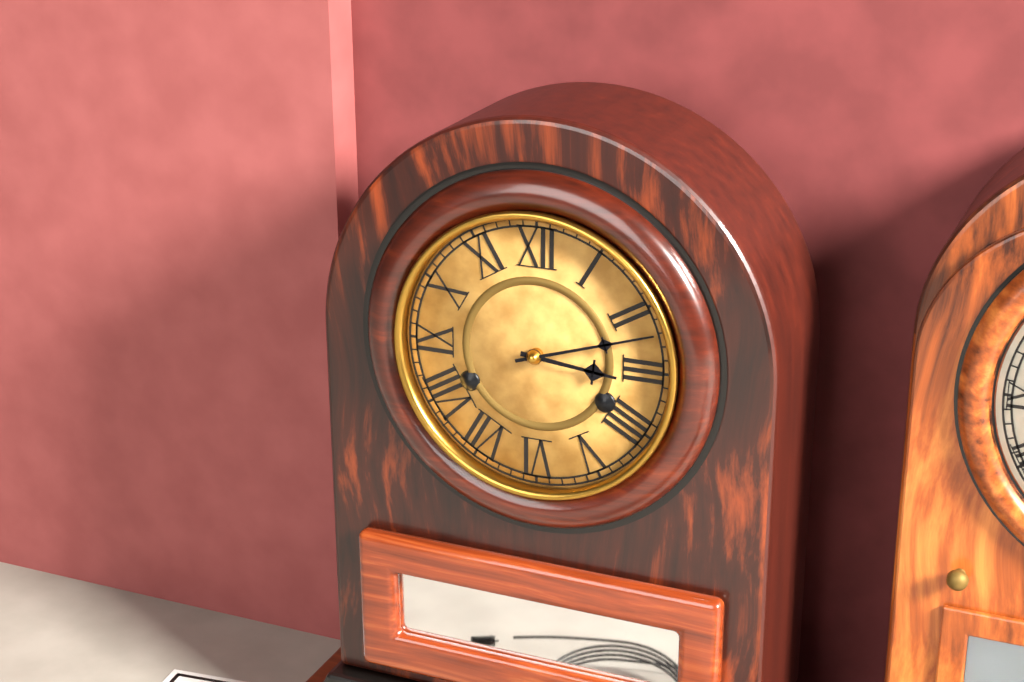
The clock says h=3 m=12
